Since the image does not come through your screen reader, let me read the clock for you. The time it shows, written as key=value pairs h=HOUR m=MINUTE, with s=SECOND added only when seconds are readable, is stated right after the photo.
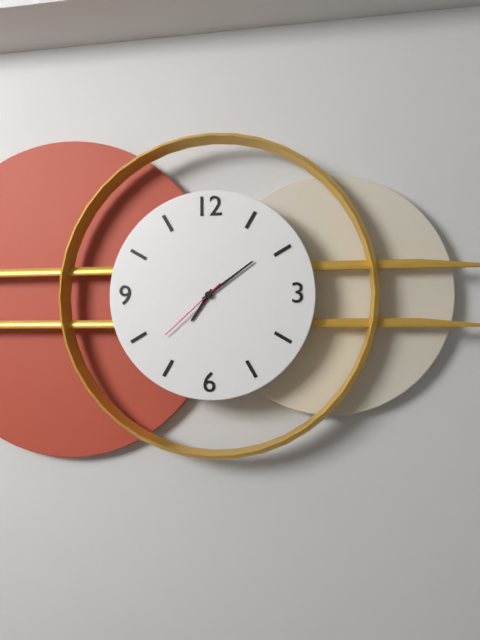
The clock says h=7 m=9 s=38
